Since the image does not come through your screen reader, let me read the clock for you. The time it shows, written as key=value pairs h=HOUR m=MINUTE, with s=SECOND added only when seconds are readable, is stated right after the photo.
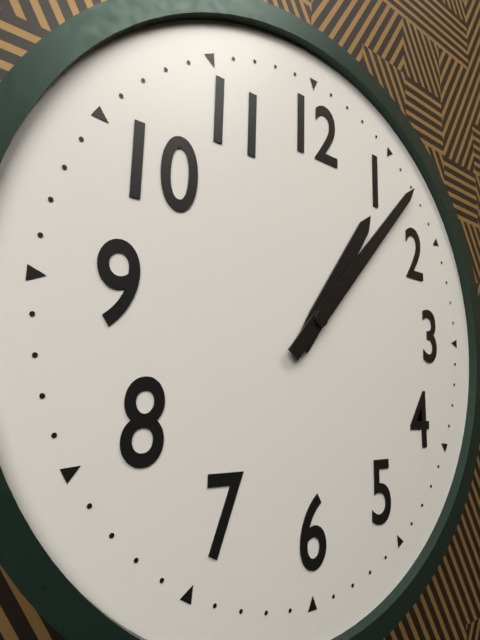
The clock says h=1 m=7
